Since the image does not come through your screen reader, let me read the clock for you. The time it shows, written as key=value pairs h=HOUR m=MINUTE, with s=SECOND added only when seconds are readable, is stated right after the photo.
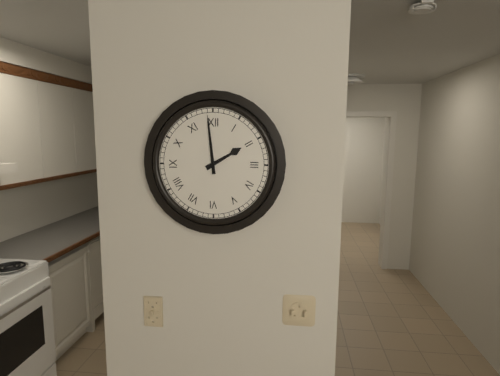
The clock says h=1 m=59
